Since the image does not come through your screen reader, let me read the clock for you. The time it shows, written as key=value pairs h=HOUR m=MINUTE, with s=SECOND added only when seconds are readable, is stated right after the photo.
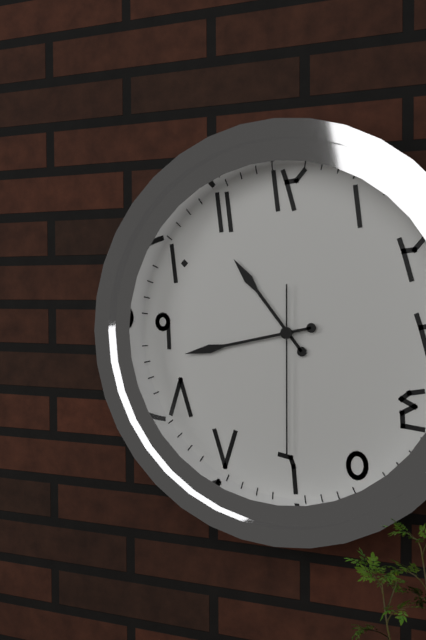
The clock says h=10 m=43 s=30
